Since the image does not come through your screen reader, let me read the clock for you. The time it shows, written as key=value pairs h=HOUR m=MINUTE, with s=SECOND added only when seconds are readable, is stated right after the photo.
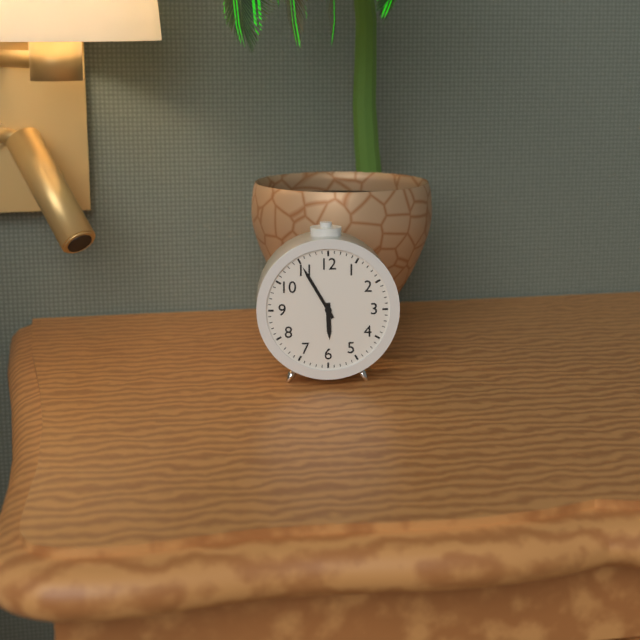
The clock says h=5 m=55
